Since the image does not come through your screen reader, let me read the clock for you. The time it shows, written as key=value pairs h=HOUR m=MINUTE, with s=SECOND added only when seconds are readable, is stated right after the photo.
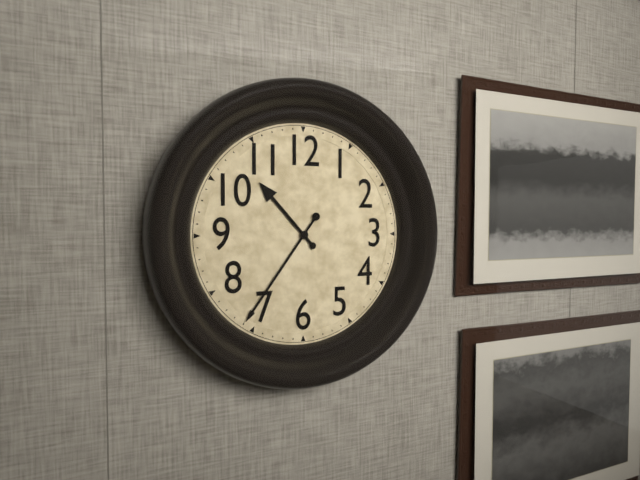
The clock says h=10 m=36
